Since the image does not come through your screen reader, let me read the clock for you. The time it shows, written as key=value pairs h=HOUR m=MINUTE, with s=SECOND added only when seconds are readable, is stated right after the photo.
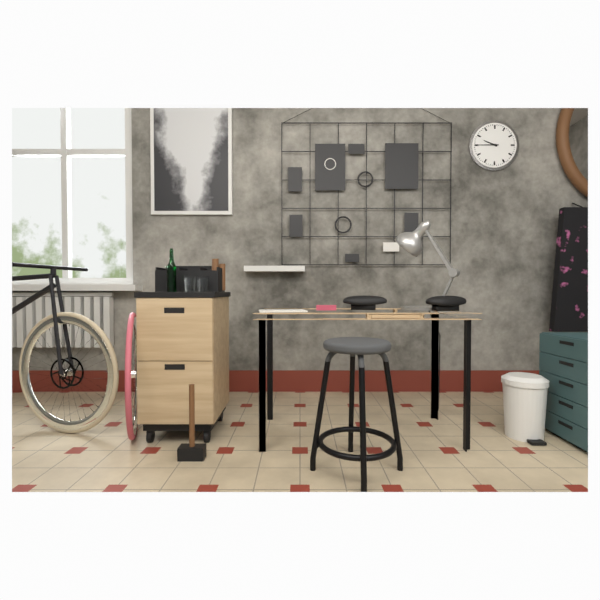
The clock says h=9 m=45
